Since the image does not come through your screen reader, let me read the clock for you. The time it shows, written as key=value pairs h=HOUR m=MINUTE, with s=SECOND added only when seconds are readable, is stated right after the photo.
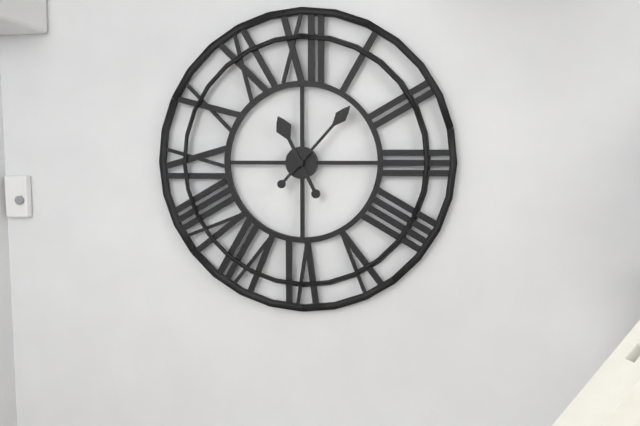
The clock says h=11 m=7
